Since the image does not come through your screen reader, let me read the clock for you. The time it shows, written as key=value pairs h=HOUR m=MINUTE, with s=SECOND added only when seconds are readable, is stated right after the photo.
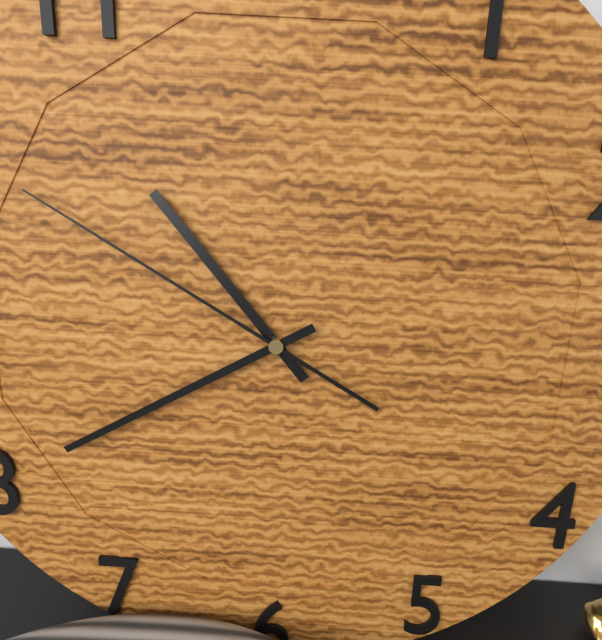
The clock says h=10 m=40 s=50
